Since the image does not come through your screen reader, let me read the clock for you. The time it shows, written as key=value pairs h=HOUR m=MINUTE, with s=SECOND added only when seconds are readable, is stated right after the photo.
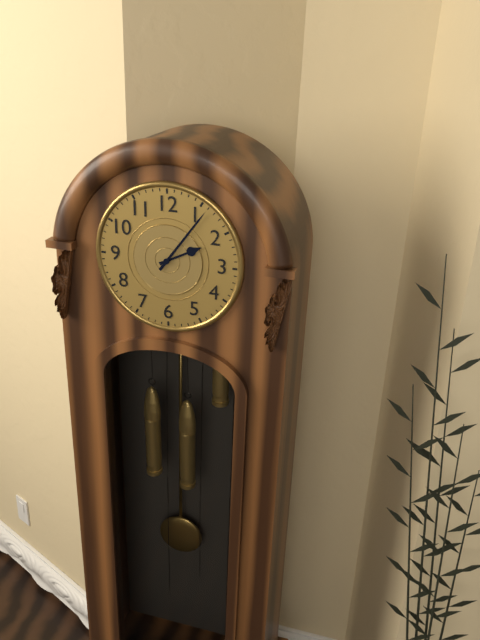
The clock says h=2 m=6
